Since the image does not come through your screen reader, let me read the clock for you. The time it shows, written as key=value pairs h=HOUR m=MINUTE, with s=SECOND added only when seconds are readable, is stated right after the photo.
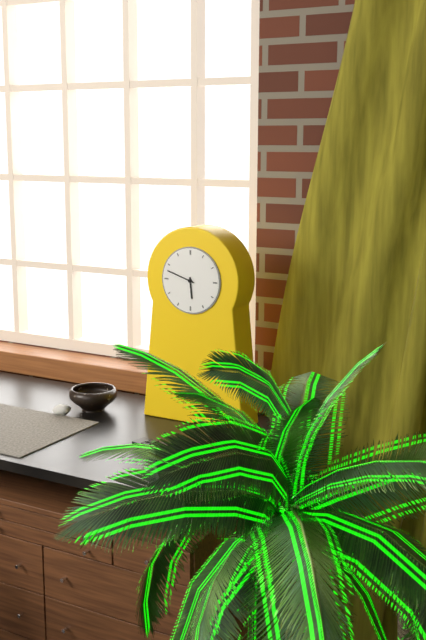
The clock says h=5 m=48
